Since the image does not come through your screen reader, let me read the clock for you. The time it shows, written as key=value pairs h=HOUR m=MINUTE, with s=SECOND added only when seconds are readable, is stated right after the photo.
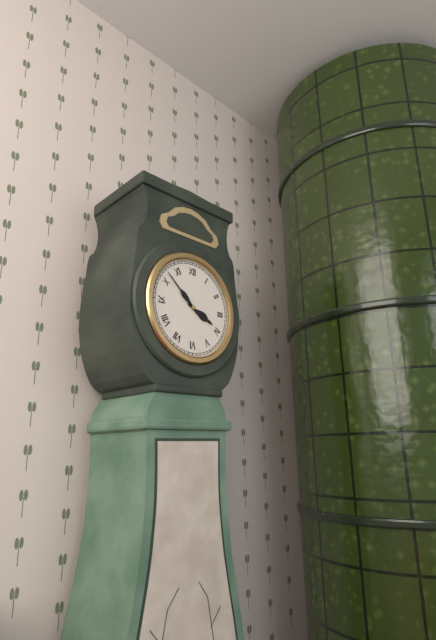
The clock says h=3 m=52
